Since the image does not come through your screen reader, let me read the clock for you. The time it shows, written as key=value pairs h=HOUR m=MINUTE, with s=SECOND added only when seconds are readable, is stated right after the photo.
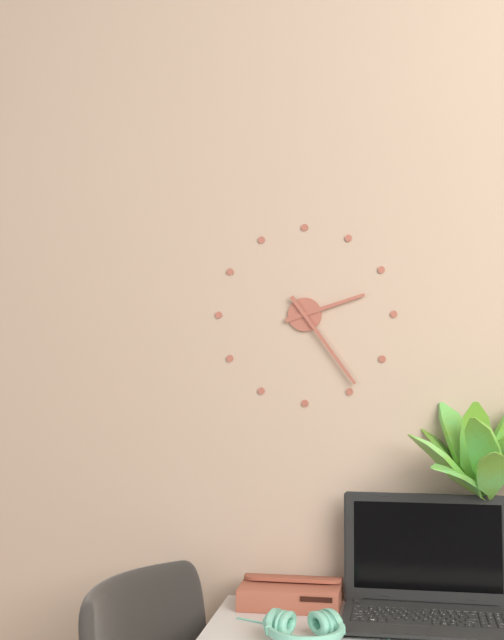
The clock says h=2 m=24
